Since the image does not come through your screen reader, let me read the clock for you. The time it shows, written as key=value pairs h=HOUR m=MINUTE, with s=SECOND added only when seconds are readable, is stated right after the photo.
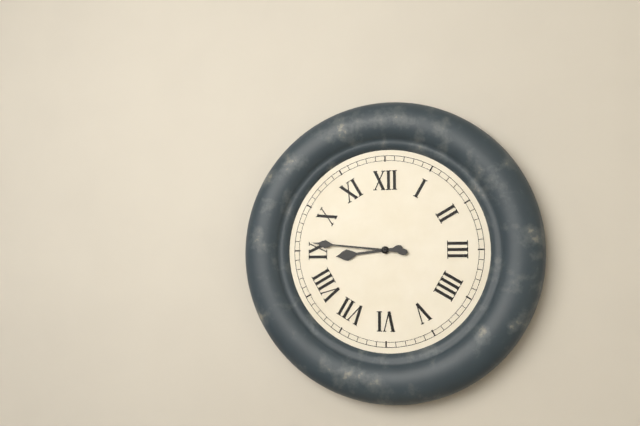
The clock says h=8 m=46
